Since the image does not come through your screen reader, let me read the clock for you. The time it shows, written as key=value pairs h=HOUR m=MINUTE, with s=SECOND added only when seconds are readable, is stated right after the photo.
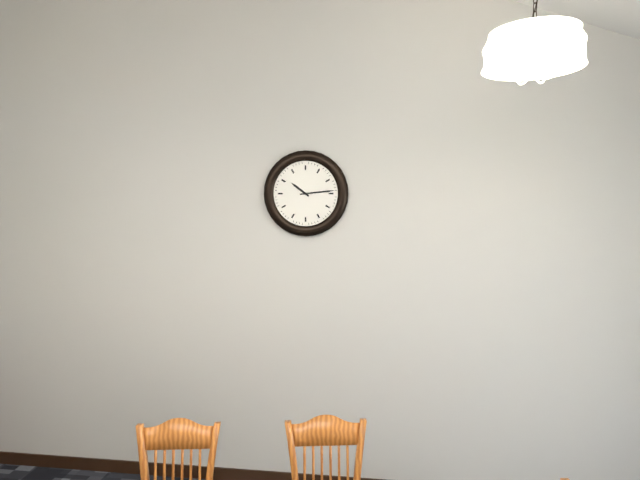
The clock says h=10 m=14
